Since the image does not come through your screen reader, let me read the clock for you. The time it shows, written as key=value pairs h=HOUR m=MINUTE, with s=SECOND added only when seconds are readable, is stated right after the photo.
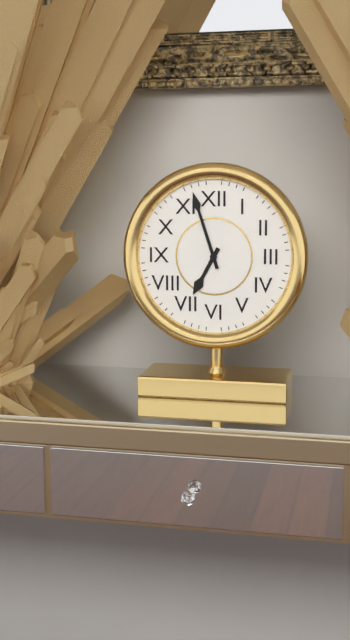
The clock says h=6 m=57
